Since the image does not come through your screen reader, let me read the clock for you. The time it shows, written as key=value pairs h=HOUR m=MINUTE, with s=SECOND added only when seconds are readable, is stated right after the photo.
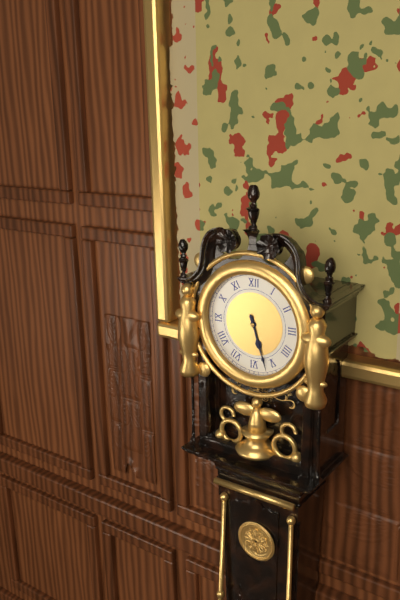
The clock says h=5 m=27
